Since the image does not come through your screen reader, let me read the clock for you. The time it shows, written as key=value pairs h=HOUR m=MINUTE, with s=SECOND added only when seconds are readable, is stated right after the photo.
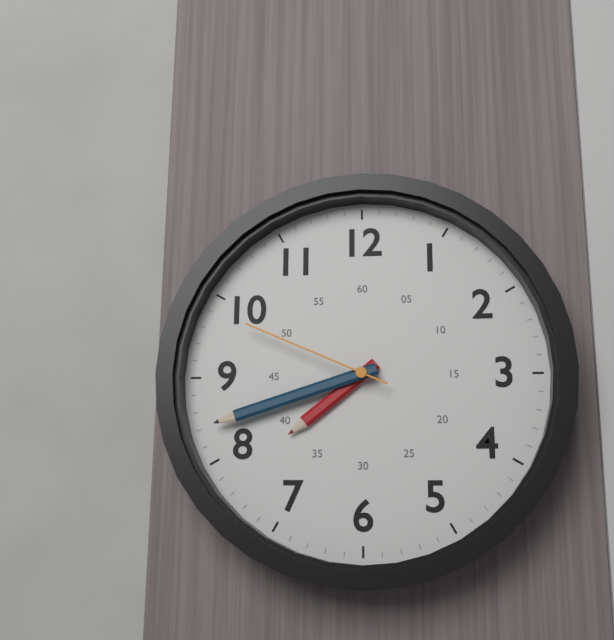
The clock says h=7 m=42 s=49
